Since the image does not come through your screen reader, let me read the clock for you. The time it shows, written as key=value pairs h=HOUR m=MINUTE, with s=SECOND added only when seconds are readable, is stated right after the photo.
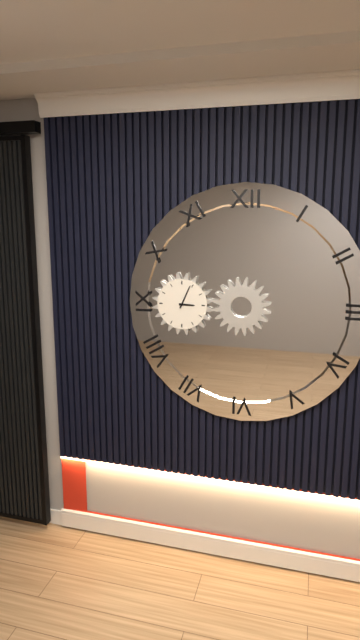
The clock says h=3 m=4
